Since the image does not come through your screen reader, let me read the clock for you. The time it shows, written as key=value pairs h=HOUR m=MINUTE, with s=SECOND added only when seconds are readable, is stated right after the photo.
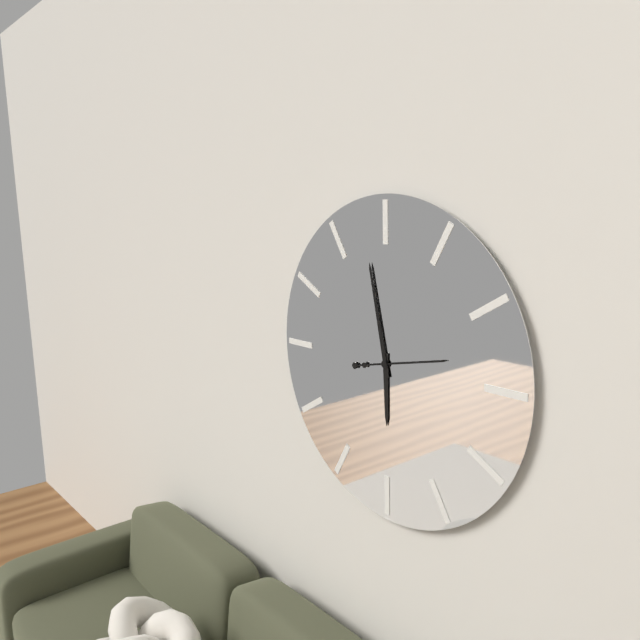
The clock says h=5 m=58 s=13
